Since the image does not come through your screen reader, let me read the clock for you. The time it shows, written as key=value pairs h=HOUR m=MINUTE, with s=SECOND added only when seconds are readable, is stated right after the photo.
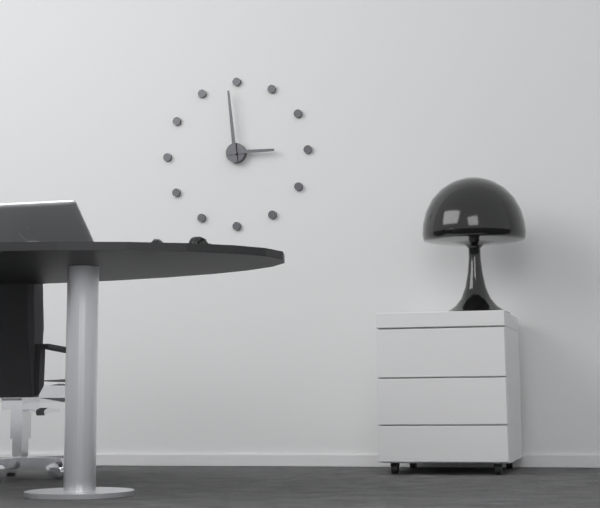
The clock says h=2 m=59
